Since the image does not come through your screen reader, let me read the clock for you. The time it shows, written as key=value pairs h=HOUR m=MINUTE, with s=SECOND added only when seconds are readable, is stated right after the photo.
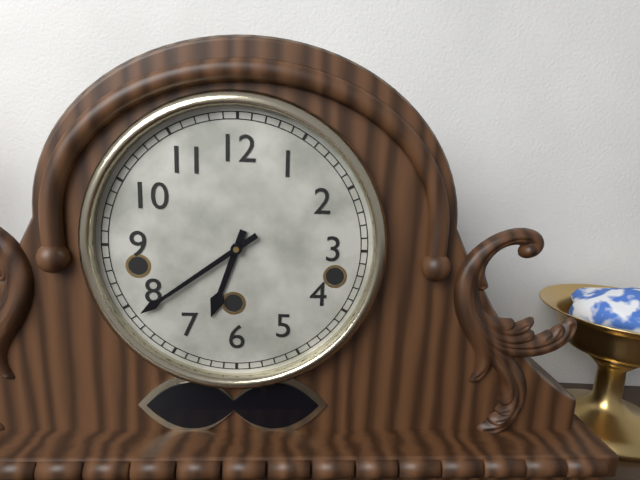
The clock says h=6 m=39
